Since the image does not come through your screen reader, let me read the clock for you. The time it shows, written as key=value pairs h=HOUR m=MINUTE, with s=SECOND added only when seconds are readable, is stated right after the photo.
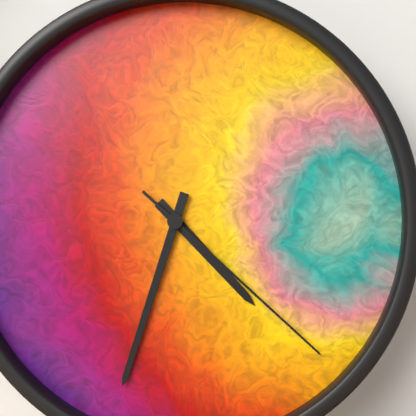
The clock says h=4 m=33 s=22
